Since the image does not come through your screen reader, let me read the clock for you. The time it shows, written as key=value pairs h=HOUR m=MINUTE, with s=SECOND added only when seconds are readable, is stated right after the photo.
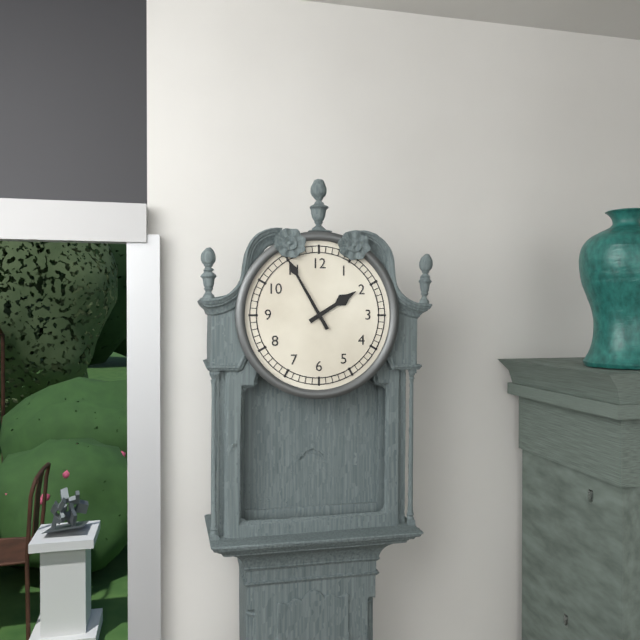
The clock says h=1 m=55
